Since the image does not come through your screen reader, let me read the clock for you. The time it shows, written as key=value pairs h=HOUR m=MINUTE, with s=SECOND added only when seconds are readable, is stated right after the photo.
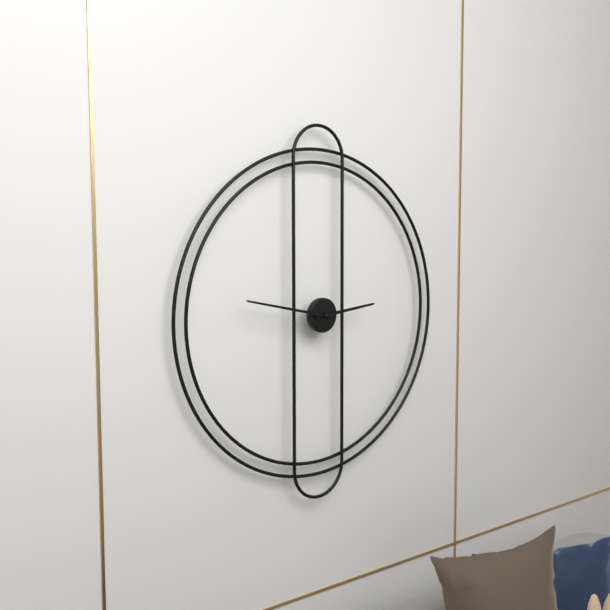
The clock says h=2 m=47
